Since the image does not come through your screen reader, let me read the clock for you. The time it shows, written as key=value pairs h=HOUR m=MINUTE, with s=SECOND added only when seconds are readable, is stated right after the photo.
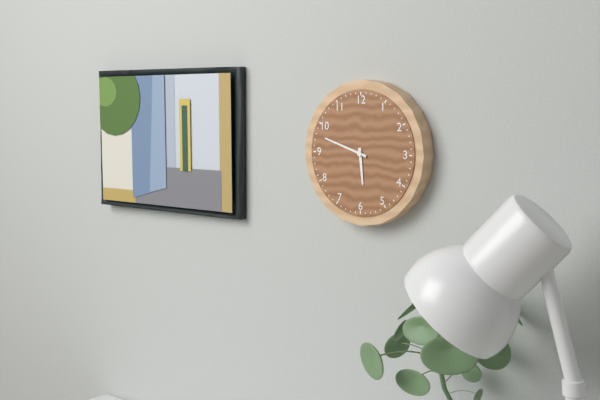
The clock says h=5 m=48
